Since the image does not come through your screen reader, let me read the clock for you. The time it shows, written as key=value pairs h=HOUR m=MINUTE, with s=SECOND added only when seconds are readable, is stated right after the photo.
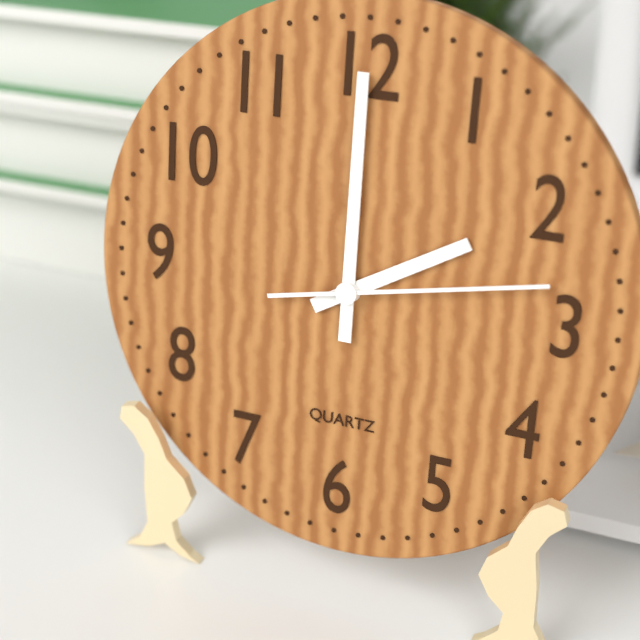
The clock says h=2 m=0 s=13
